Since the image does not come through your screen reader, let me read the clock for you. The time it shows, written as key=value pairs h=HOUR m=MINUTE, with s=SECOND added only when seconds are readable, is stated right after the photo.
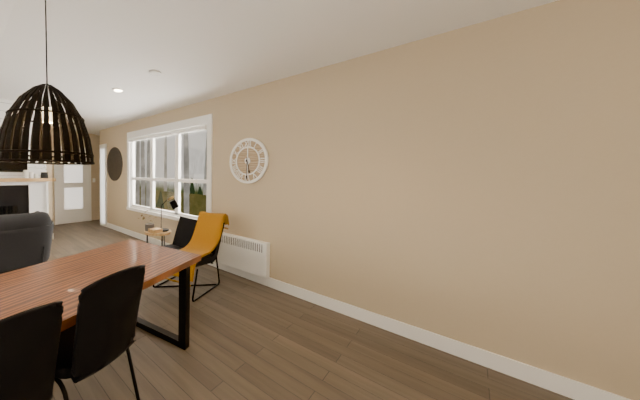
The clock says h=5 m=30
